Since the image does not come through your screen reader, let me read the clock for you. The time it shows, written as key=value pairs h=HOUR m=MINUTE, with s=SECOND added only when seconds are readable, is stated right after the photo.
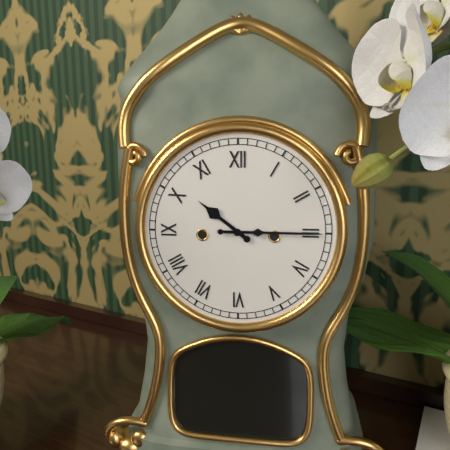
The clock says h=10 m=15
